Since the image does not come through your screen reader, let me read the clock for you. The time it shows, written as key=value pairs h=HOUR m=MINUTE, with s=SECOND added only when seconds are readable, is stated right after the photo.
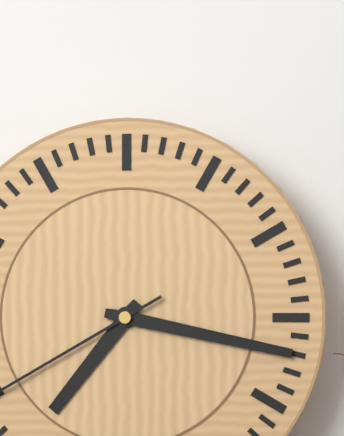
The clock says h=7 m=17
